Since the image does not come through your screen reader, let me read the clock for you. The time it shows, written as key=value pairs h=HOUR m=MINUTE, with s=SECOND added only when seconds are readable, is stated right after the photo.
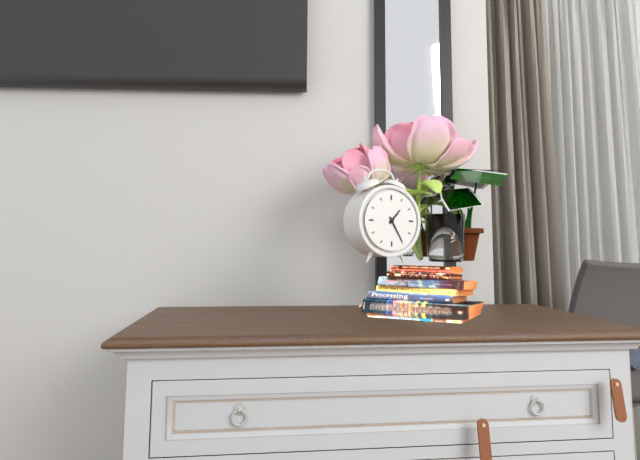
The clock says h=1 m=25
